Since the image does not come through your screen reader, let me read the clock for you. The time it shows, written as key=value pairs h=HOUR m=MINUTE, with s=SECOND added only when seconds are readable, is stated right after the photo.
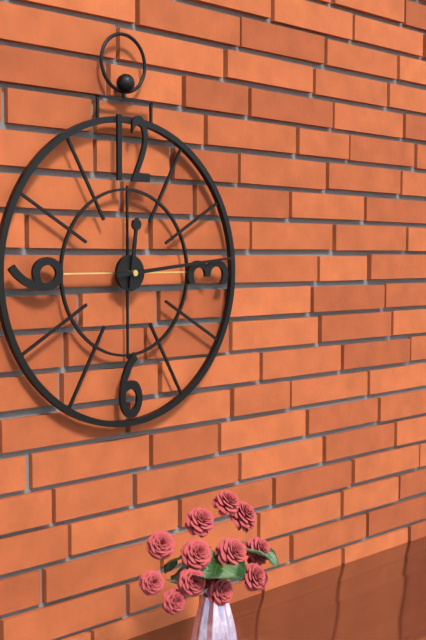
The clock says h=12 m=14
